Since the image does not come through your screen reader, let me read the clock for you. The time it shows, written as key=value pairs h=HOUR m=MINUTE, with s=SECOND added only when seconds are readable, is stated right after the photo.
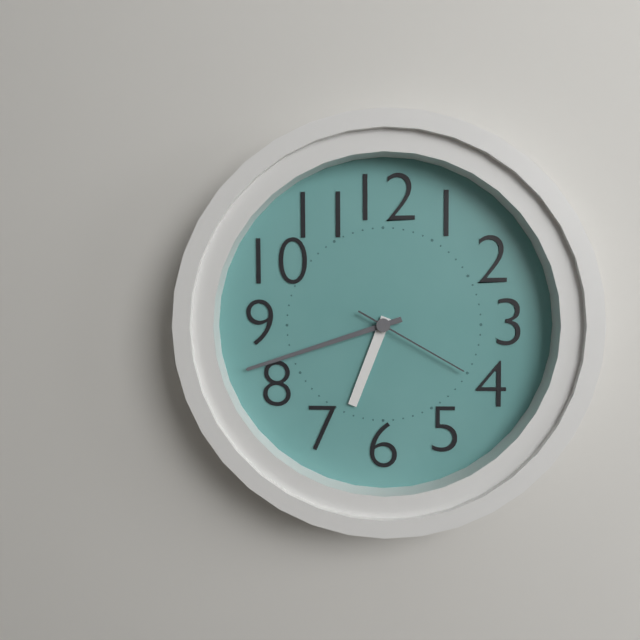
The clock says h=6 m=42 s=20
